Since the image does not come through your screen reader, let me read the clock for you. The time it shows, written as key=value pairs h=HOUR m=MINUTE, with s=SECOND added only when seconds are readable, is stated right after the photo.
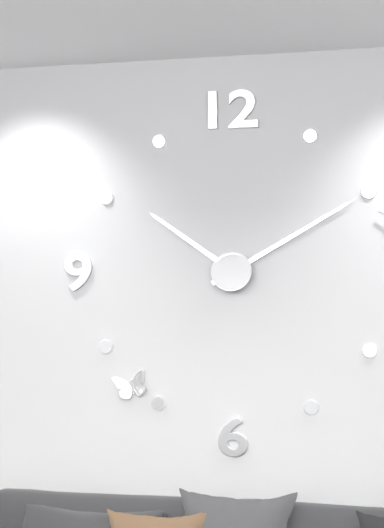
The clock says h=10 m=10
